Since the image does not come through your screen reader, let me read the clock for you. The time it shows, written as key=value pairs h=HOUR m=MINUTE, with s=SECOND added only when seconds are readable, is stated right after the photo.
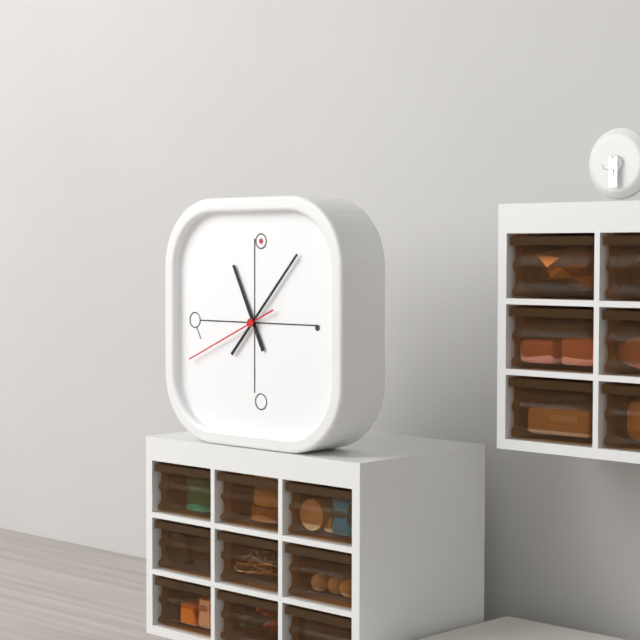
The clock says h=11 m=7 s=41
